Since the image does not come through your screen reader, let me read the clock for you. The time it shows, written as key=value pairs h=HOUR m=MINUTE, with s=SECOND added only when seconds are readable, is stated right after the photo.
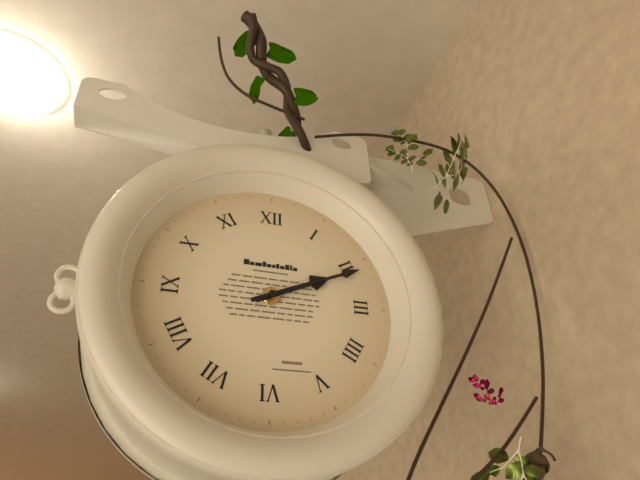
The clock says h=2 m=11
